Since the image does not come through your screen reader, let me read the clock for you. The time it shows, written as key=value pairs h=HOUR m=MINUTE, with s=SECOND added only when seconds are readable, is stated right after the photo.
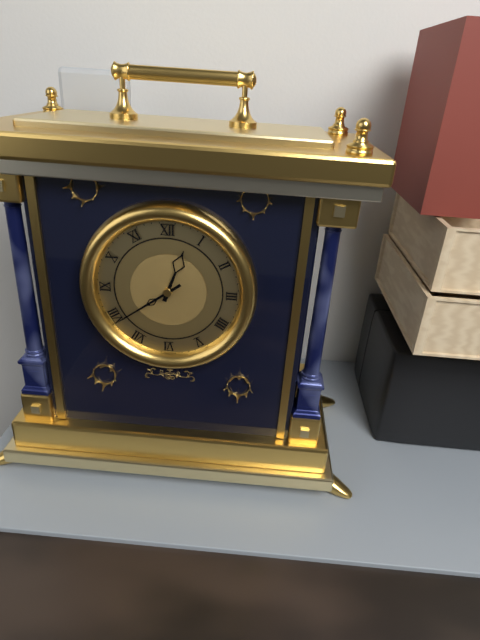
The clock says h=12 m=39
